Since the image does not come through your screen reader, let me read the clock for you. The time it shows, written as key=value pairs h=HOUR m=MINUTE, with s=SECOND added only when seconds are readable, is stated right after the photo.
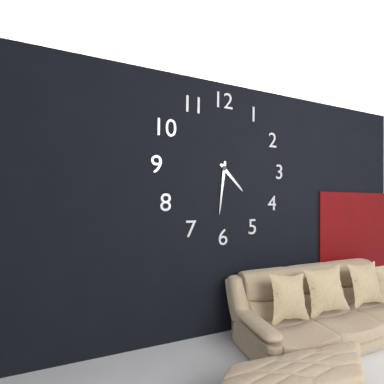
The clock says h=4 m=31
